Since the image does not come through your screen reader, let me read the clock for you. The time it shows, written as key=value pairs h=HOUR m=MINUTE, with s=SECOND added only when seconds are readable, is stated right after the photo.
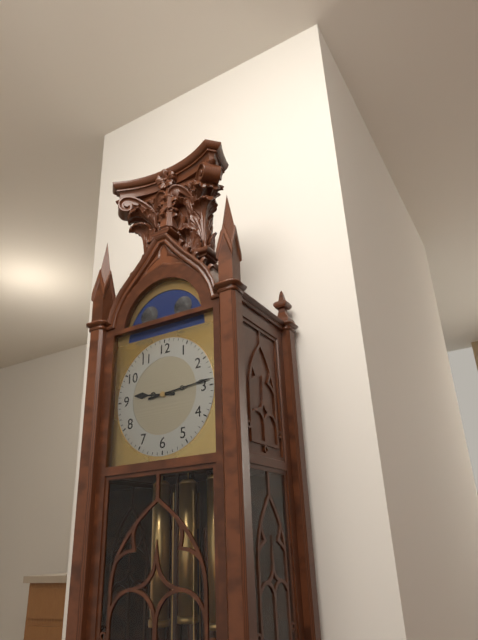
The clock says h=9 m=14
